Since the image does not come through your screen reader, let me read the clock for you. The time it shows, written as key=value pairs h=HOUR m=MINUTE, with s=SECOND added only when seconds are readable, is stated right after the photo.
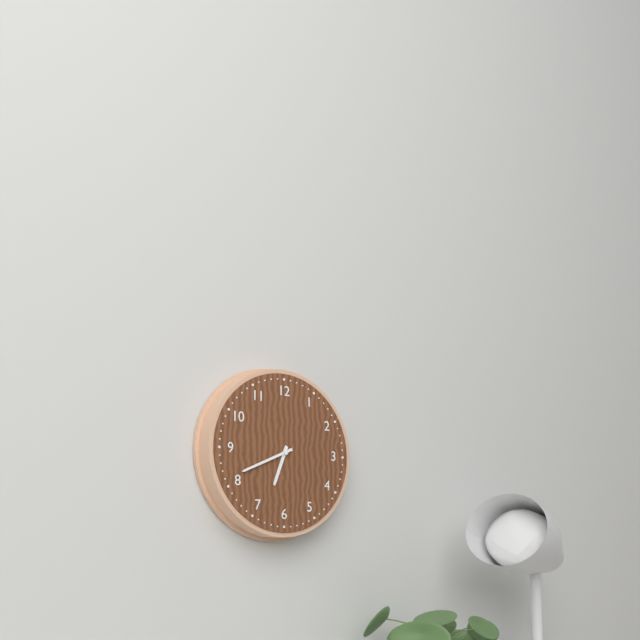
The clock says h=6 m=41
